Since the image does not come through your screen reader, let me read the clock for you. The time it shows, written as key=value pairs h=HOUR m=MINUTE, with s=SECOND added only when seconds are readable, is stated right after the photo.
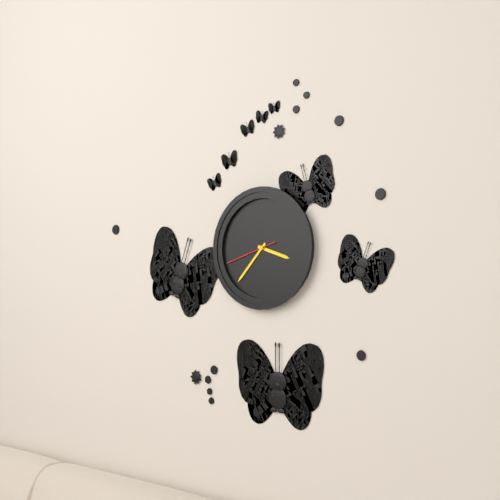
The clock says h=3 m=37
